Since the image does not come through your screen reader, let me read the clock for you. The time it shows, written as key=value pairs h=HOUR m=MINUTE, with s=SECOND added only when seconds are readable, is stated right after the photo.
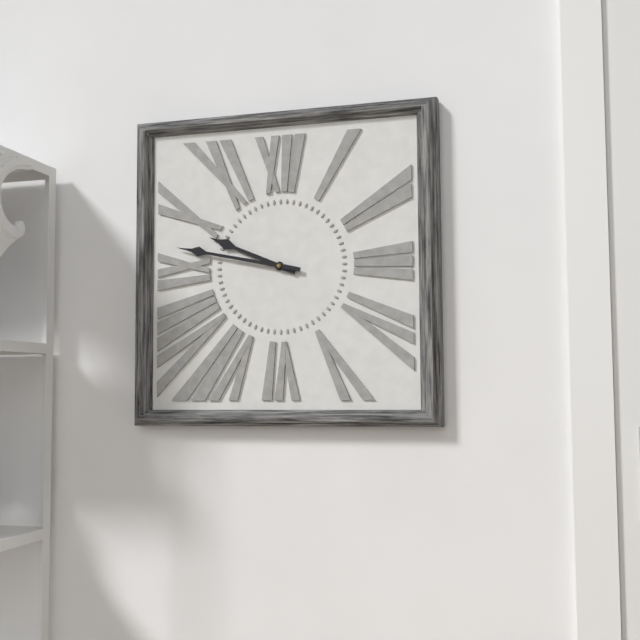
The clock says h=9 m=47
